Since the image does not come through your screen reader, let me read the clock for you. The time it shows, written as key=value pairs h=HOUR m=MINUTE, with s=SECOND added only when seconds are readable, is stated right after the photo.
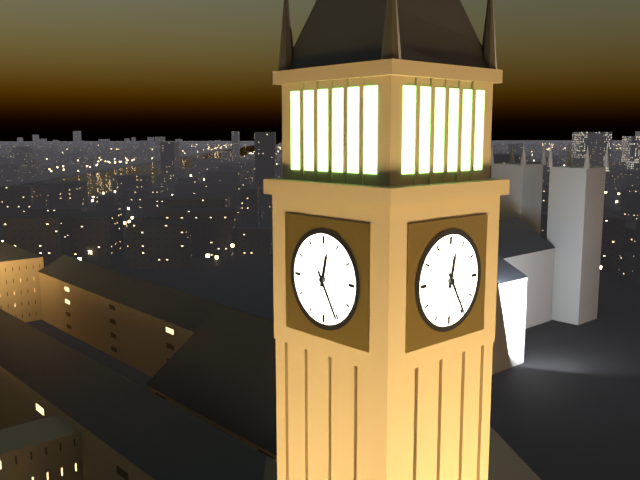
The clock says h=12 m=25
